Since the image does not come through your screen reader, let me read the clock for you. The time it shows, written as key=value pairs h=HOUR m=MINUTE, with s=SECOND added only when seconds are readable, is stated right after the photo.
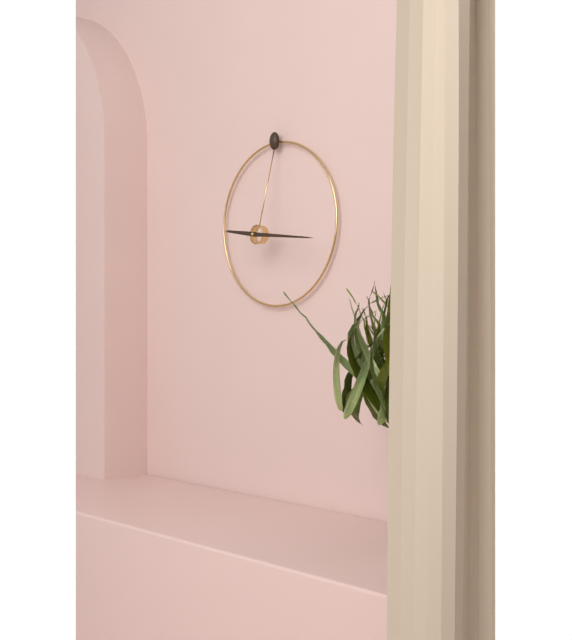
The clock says h=9 m=16
